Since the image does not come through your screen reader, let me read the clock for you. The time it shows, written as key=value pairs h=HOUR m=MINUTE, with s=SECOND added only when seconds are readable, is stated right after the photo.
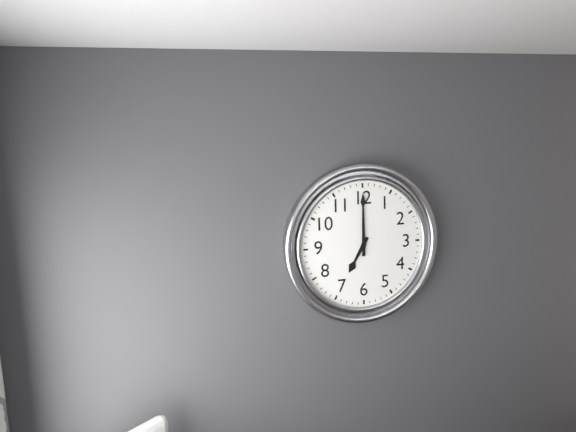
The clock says h=7 m=0
